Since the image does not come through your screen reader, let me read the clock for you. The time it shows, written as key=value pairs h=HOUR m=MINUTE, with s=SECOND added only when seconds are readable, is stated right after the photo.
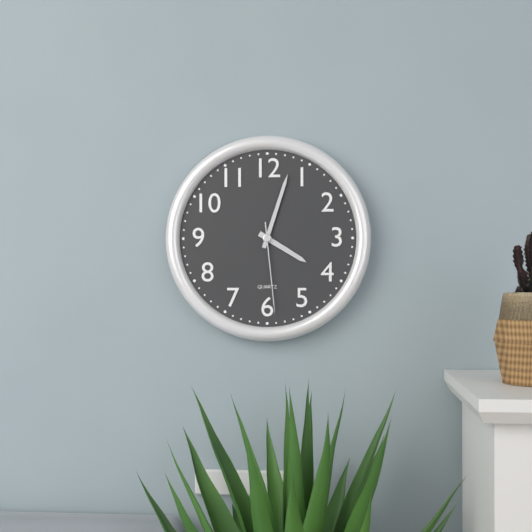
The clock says h=4 m=3 s=29
